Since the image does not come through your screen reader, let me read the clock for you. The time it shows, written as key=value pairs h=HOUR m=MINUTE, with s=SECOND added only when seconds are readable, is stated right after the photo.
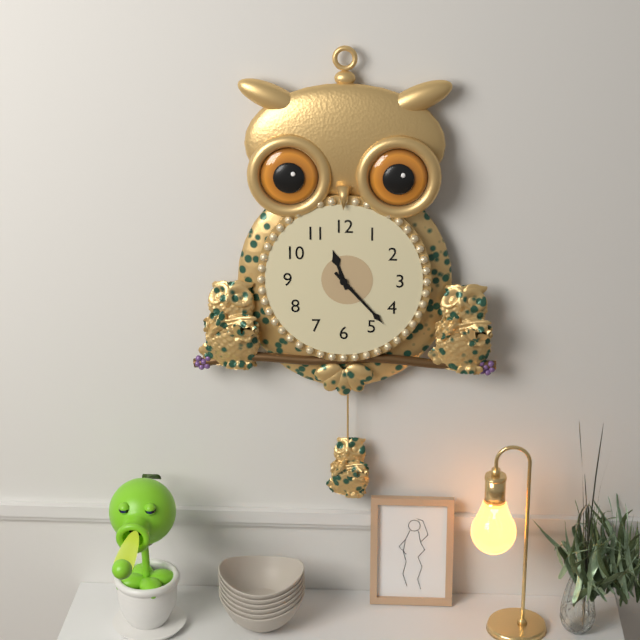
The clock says h=11 m=23
